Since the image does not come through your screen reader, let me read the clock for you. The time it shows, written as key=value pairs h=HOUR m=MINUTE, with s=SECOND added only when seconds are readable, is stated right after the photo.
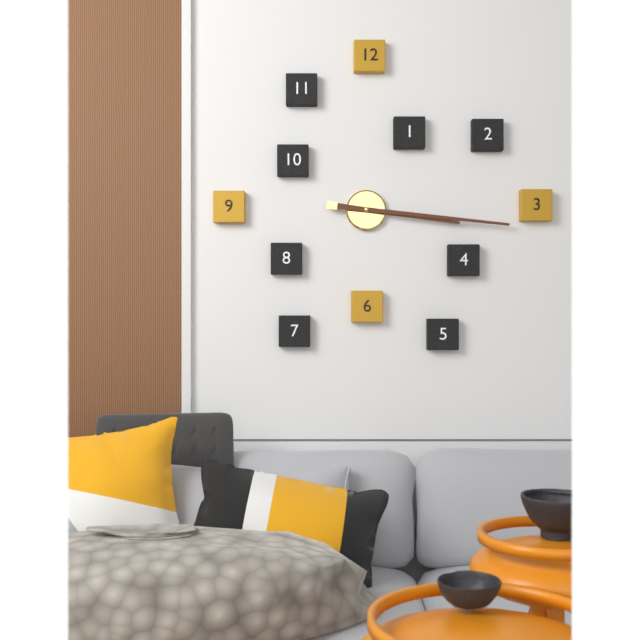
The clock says h=3 m=16
